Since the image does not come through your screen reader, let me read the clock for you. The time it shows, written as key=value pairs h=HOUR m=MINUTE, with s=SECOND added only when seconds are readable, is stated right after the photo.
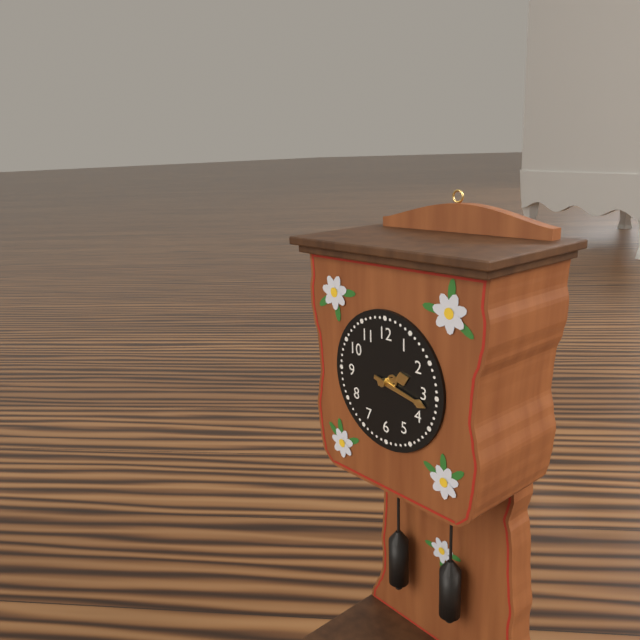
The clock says h=2 m=17
